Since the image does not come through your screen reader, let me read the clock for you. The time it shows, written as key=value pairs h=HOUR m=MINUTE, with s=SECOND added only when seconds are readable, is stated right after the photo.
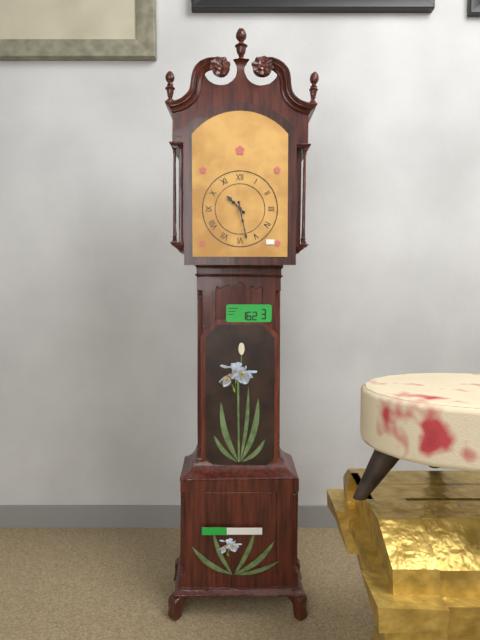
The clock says h=10 m=28
